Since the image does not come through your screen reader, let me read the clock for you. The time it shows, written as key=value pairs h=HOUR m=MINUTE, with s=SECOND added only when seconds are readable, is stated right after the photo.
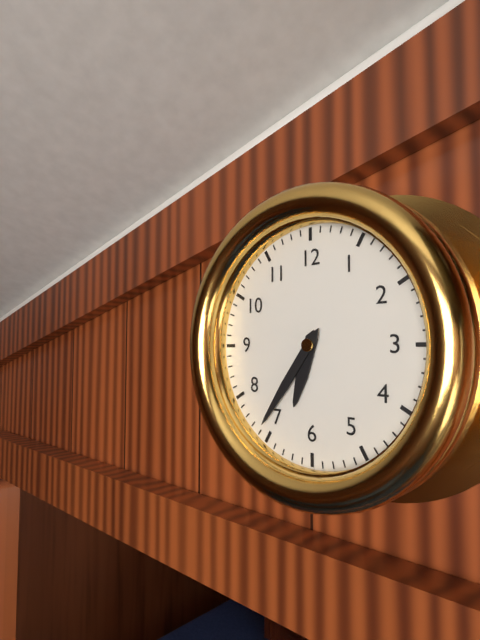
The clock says h=6 m=36
